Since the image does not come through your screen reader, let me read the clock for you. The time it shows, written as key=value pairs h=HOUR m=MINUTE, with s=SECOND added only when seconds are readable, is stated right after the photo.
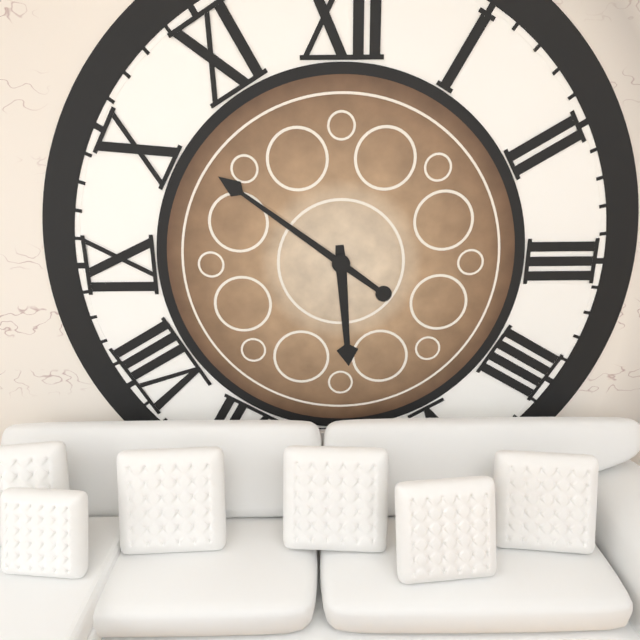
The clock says h=5 m=51
